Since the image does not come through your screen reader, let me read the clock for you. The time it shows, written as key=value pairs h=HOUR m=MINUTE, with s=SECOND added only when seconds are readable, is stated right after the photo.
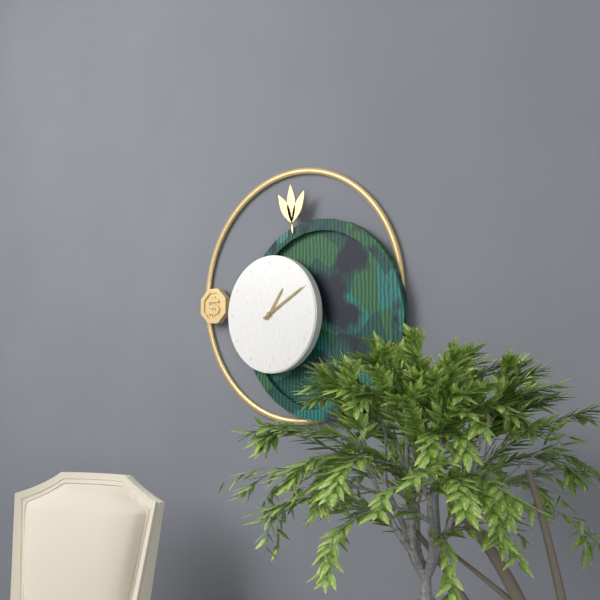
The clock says h=1 m=10
